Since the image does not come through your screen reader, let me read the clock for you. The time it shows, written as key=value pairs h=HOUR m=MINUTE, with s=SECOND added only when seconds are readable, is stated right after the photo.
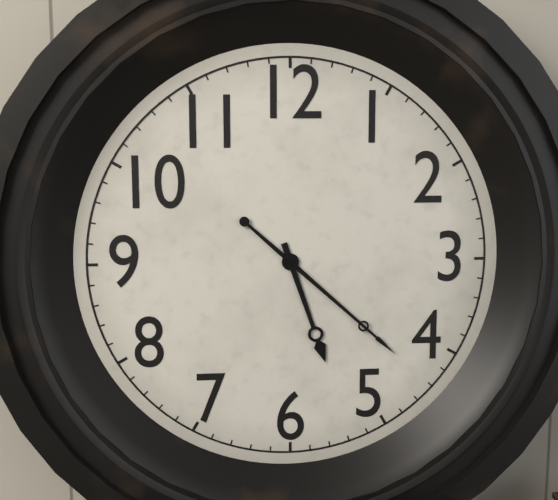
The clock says h=5 m=22
